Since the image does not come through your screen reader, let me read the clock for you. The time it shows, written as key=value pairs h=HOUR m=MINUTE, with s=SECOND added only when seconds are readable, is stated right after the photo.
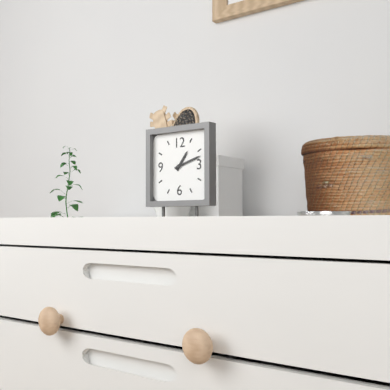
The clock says h=1 m=12
